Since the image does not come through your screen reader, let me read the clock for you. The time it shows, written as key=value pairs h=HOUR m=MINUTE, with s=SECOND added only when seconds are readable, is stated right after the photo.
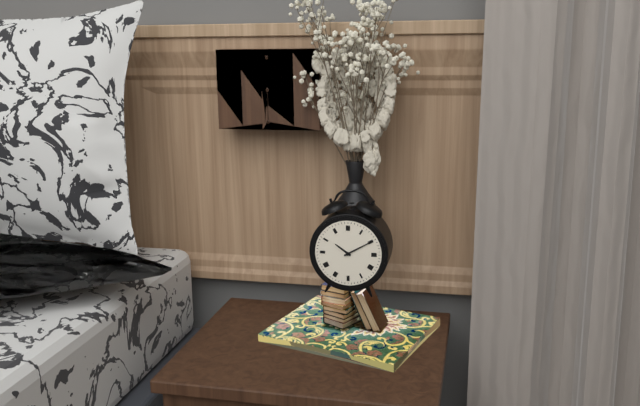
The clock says h=10 m=10
